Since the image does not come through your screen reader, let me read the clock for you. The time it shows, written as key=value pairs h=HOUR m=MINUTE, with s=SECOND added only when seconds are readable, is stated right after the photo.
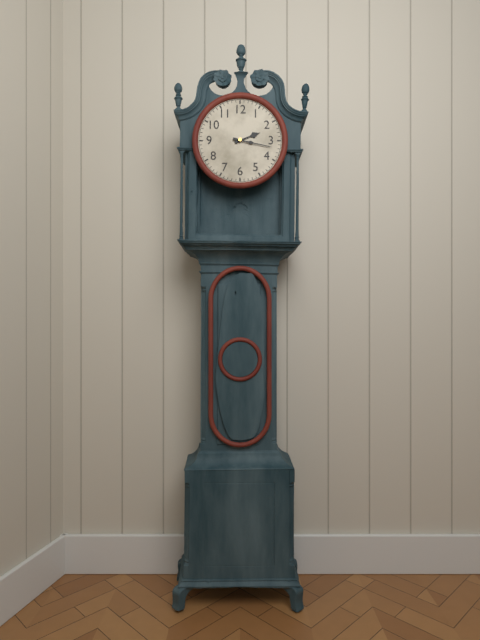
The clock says h=2 m=17
